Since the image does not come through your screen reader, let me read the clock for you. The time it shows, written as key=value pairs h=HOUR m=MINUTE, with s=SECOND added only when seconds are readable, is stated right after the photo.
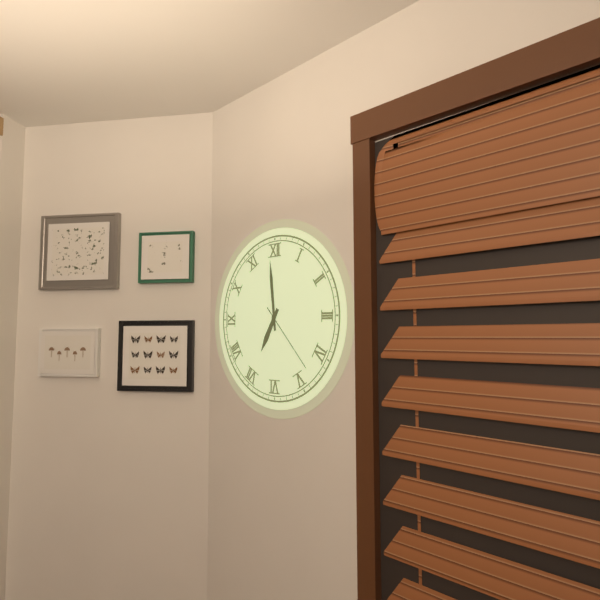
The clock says h=6 m=59 s=23
